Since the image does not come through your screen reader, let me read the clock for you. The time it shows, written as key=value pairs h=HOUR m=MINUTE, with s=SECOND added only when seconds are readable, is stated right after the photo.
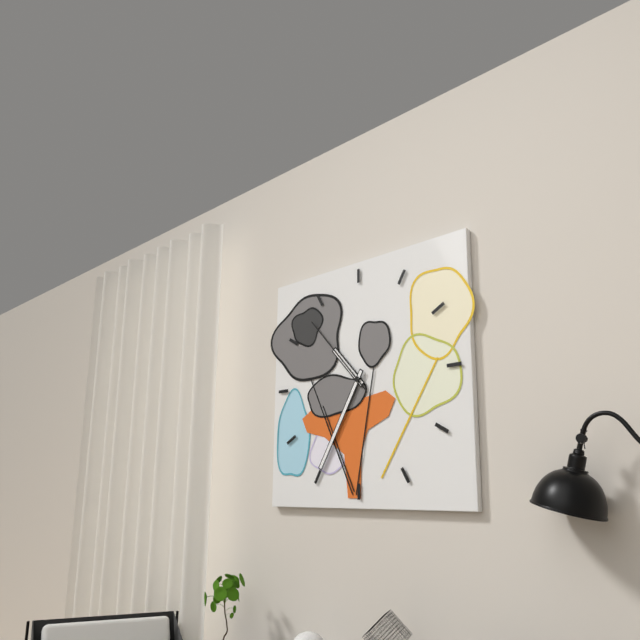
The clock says h=10 m=35 s=53
